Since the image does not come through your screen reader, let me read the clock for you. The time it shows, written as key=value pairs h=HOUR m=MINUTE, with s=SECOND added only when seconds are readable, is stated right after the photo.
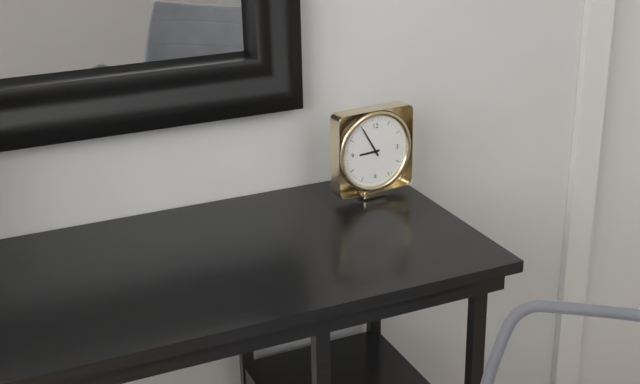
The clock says h=8 m=55
